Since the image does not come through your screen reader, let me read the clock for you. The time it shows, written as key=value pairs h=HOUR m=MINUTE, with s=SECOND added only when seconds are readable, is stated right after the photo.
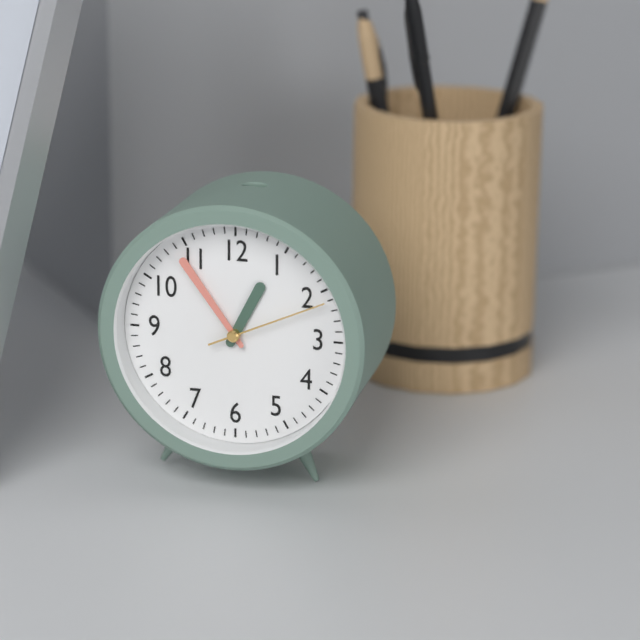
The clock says h=12 m=54 s=11
